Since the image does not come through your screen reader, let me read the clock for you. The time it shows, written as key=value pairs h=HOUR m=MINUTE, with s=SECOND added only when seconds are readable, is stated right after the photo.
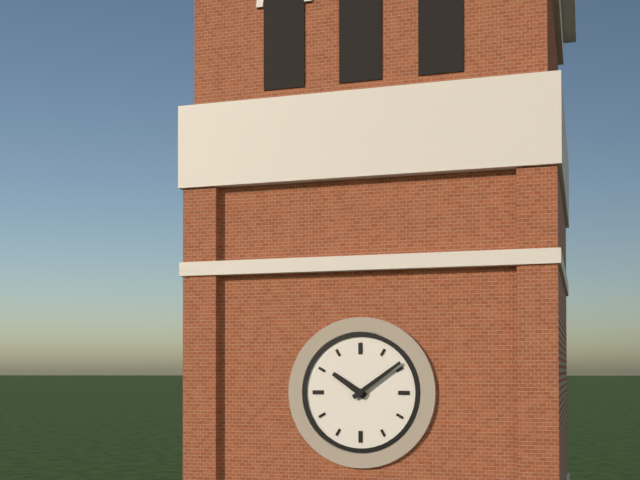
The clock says h=10 m=9
